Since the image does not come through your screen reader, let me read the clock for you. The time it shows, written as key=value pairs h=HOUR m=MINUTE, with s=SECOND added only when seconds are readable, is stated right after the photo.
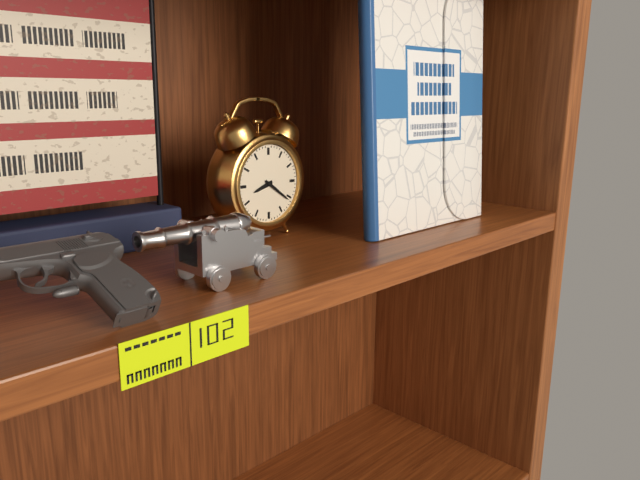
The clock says h=8 m=21
